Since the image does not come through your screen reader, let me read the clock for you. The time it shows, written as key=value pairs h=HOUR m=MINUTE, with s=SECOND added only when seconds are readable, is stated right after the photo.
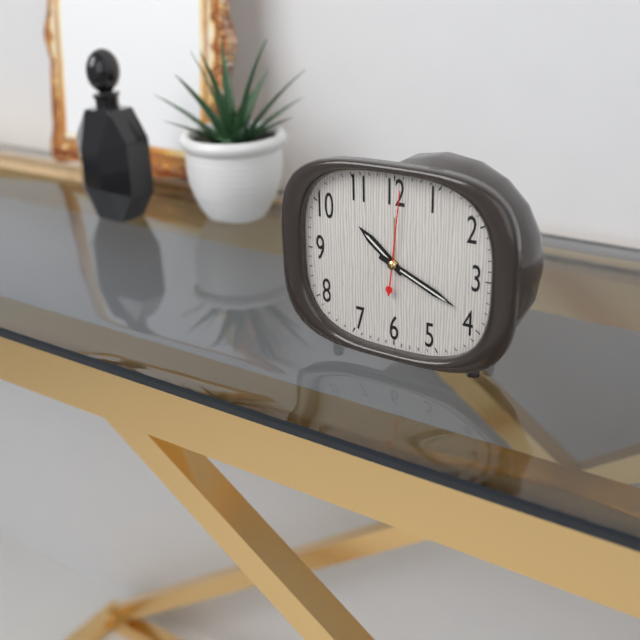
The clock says h=10 m=19 s=1
